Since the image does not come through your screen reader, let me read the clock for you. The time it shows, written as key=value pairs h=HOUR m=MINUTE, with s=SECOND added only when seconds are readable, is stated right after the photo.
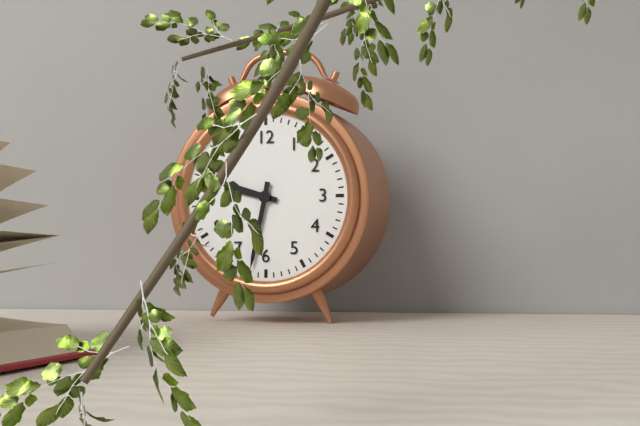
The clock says h=9 m=32
